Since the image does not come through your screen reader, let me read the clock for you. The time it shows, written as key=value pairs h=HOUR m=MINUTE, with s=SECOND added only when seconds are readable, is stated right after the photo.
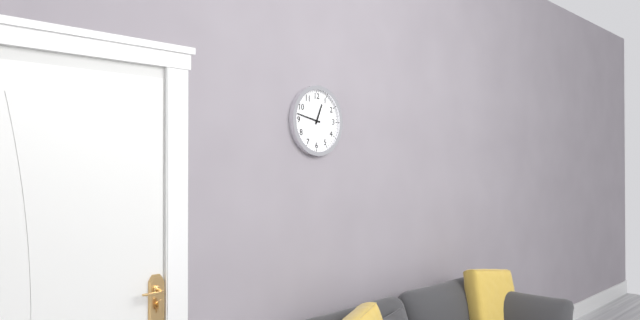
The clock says h=12 m=47
